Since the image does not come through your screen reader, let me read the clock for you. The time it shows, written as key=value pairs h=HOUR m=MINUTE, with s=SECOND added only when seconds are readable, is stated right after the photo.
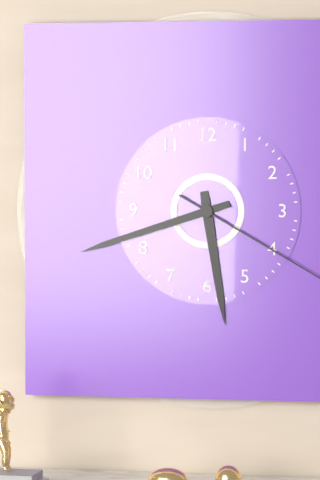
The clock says h=5 m=42
